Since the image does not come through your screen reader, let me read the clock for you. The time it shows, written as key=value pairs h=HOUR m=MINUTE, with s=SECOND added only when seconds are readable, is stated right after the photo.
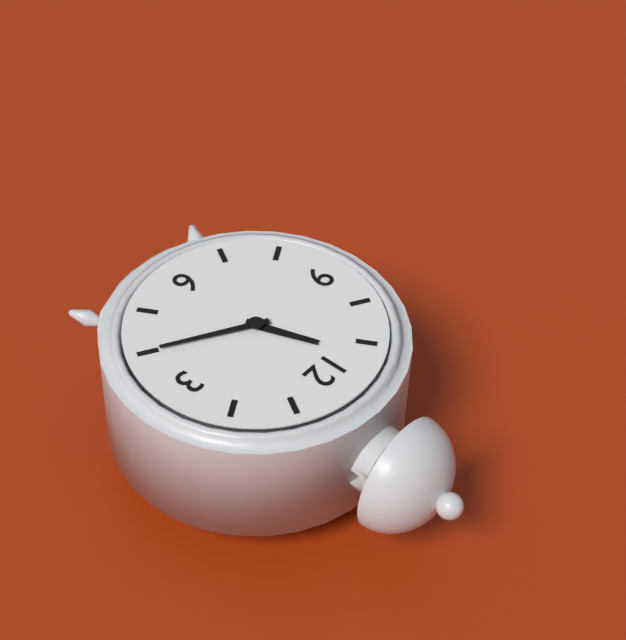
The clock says h=11 m=20
